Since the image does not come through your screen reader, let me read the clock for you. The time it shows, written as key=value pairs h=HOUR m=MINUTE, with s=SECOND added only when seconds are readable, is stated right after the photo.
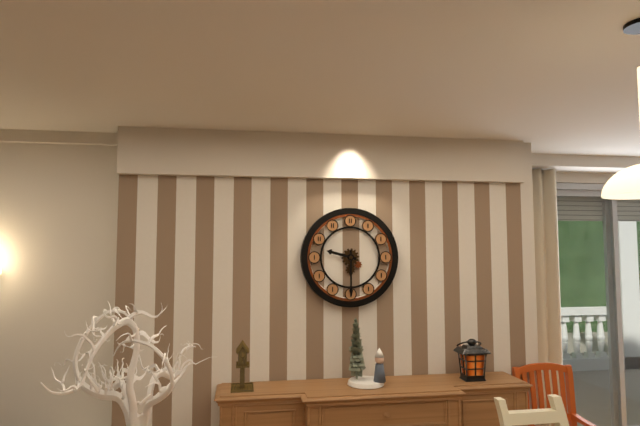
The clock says h=9 m=30
